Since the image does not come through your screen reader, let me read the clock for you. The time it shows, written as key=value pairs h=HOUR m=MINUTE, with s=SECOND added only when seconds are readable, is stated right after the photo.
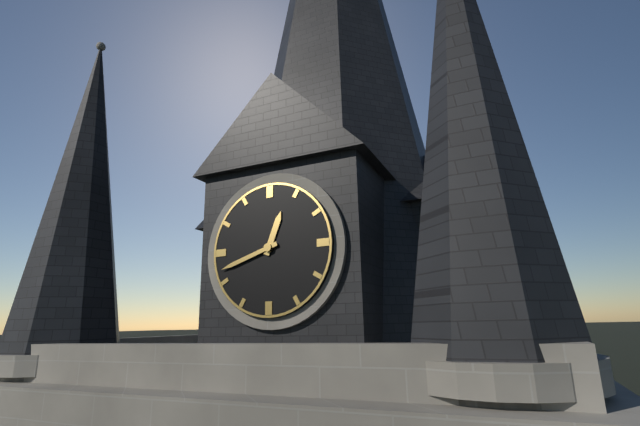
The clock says h=12 m=42
